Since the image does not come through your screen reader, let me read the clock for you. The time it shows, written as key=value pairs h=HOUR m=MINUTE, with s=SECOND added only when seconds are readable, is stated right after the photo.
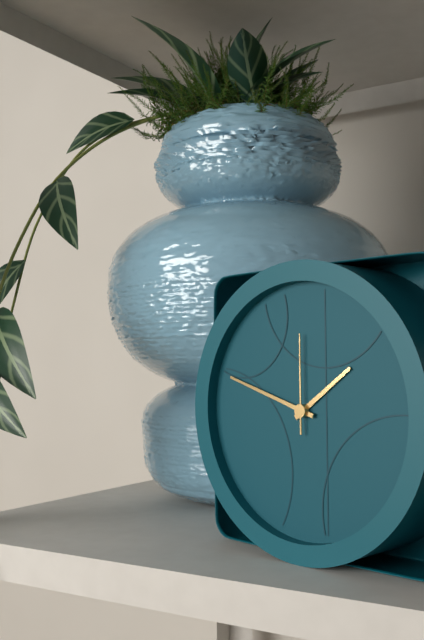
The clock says h=1 m=48 s=0
